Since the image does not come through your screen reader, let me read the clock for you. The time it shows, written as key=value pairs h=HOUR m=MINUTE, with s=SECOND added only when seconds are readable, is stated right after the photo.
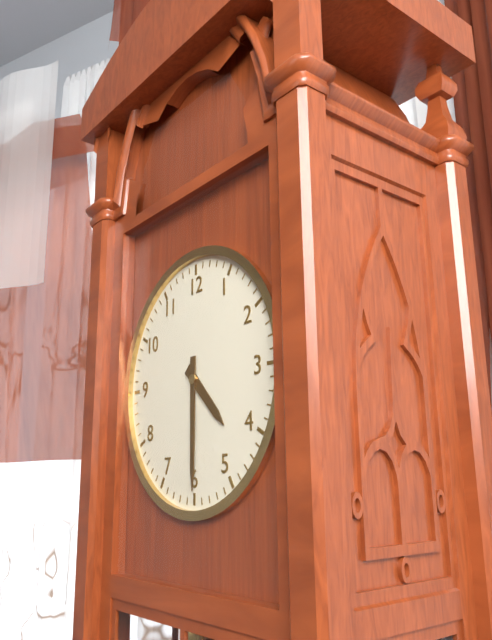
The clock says h=4 m=30
